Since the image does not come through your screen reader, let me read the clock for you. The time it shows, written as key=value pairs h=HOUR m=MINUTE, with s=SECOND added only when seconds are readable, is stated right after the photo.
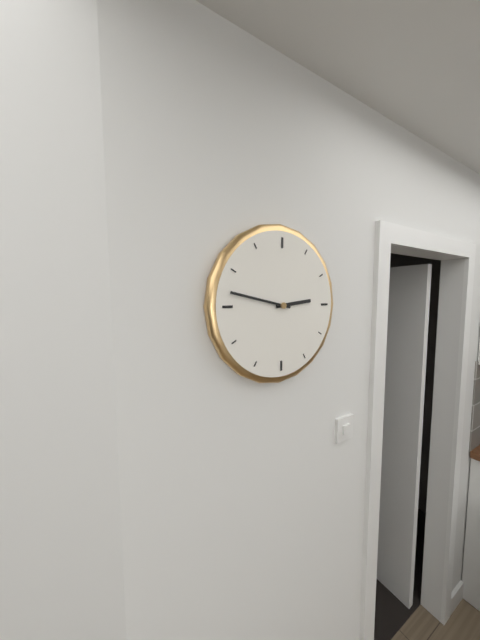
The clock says h=2 m=47
